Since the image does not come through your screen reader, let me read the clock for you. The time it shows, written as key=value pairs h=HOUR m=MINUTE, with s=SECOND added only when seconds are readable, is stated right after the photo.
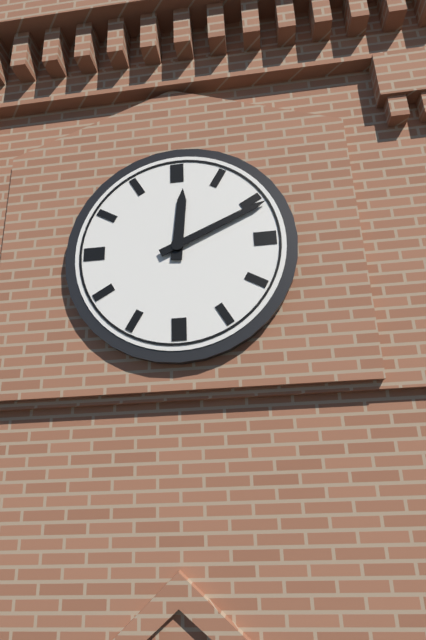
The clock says h=12 m=11
